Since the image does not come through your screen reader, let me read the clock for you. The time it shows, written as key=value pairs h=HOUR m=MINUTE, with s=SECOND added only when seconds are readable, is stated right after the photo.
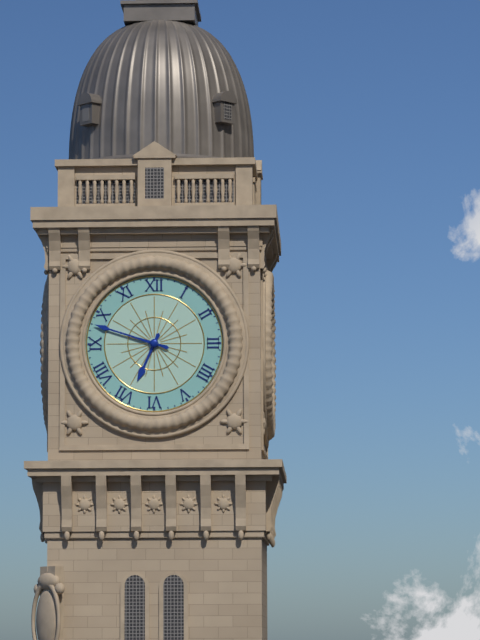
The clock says h=6 m=48
